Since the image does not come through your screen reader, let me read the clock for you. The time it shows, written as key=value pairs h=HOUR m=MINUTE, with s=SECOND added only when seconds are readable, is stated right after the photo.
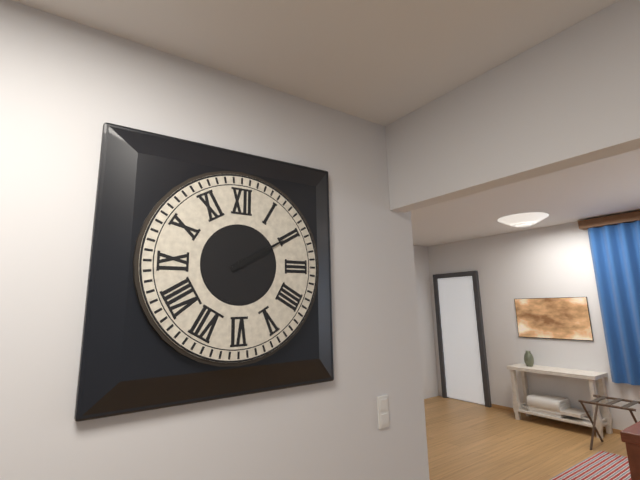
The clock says h=2 m=10
